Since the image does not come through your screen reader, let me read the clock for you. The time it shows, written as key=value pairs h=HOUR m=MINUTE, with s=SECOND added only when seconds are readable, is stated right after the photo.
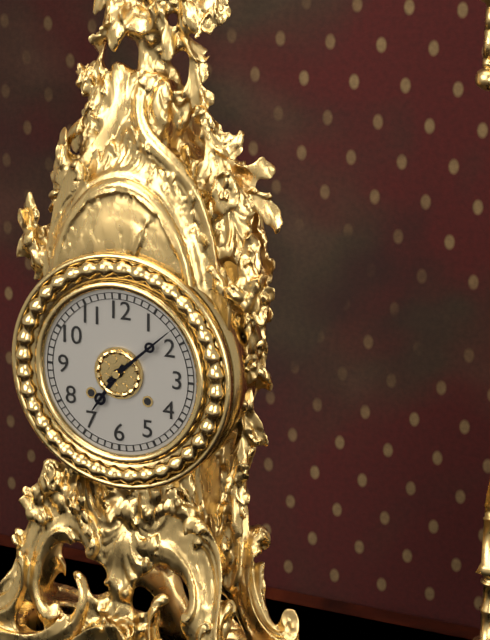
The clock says h=7 m=8
